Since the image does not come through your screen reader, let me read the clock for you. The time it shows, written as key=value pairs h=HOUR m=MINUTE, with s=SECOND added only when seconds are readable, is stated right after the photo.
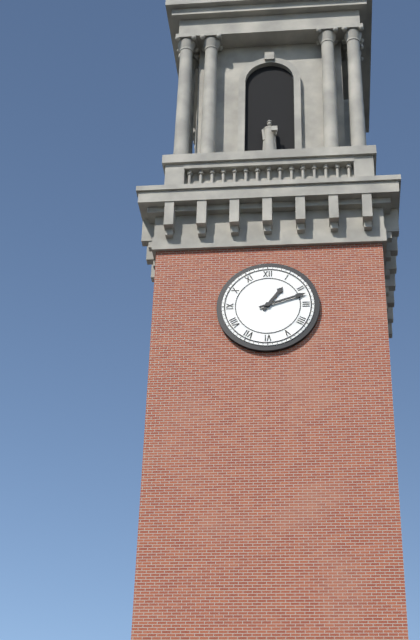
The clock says h=1 m=12
